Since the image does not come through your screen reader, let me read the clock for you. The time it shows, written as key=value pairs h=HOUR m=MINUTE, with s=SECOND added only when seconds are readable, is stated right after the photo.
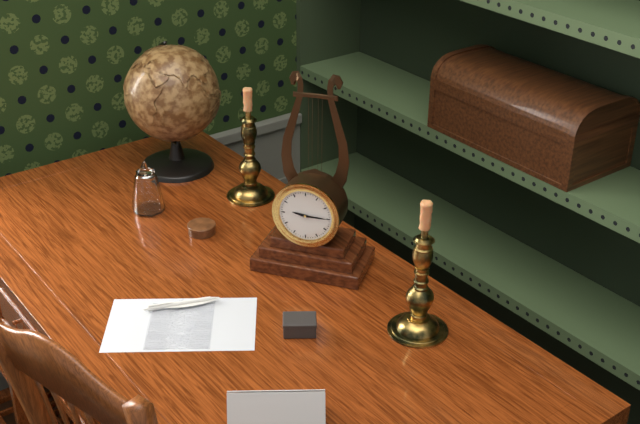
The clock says h=9 m=15
